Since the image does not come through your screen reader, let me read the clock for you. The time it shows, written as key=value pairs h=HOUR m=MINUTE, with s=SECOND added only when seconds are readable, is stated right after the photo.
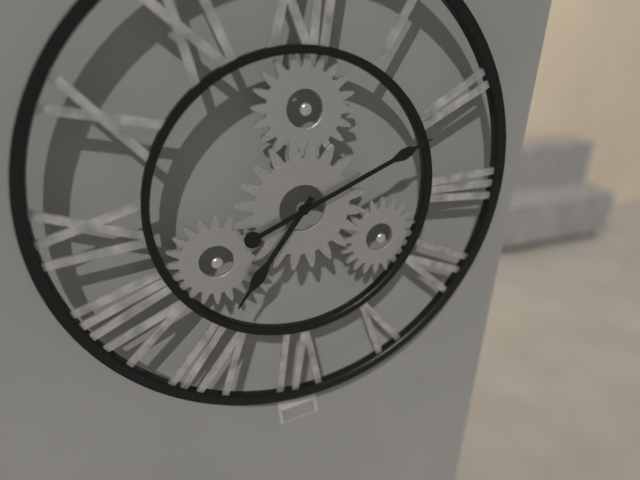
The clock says h=7 m=11
